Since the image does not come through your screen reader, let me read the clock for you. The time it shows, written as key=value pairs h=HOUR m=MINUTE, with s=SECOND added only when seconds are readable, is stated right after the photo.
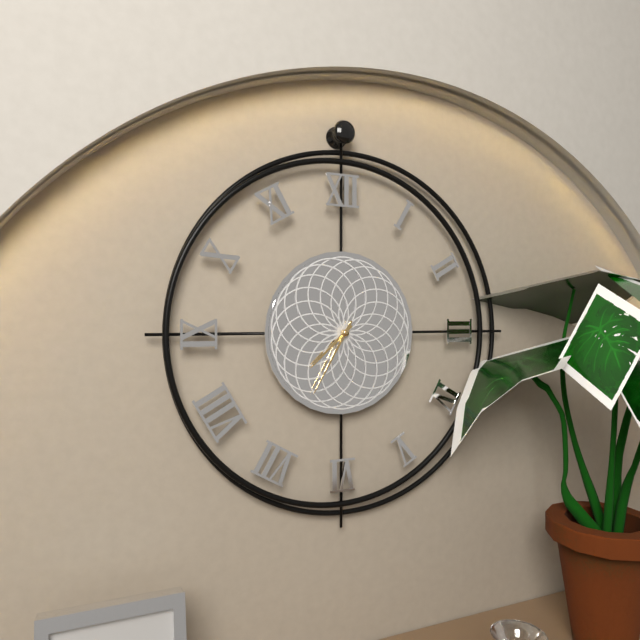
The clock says h=7 m=35
